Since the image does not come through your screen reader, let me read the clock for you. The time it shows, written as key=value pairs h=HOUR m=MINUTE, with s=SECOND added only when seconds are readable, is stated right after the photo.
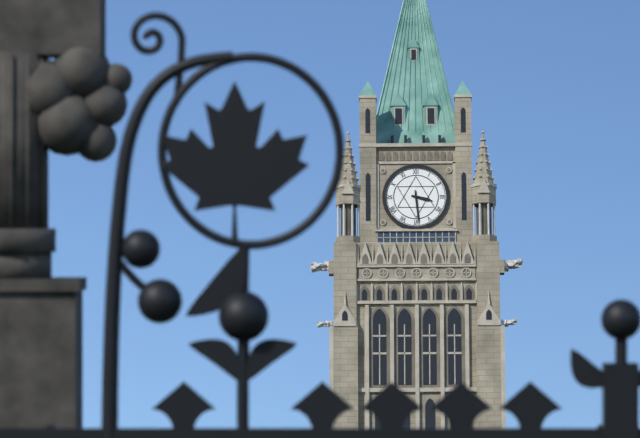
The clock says h=3 m=29
